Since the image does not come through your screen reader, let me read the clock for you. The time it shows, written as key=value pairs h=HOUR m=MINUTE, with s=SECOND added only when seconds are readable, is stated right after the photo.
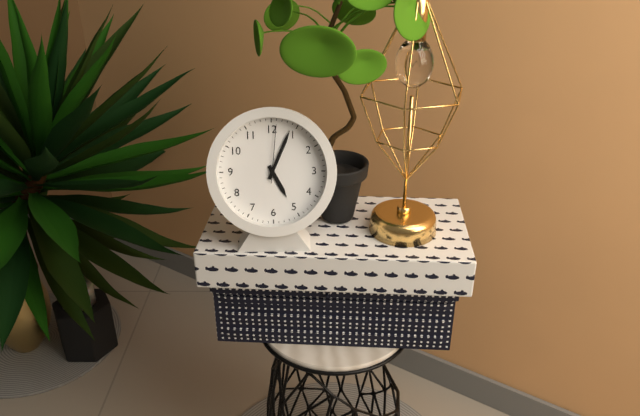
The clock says h=5 m=4 s=1
